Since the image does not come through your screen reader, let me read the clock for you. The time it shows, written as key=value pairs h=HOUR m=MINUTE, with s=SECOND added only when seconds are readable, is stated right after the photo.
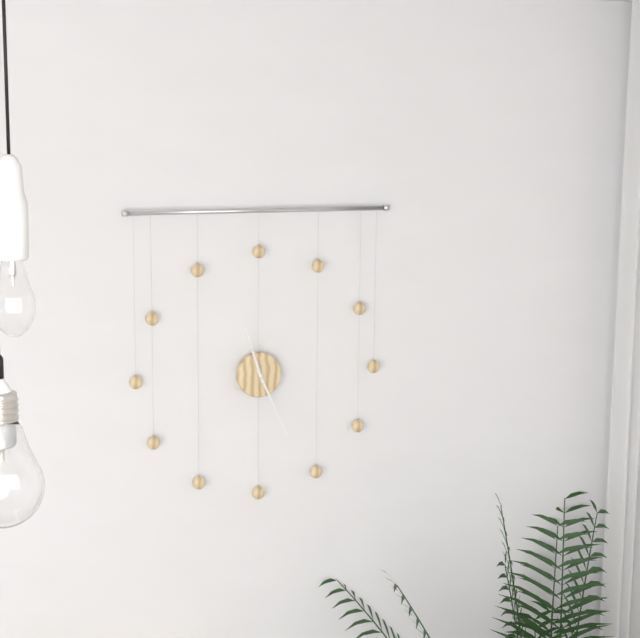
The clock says h=11 m=26
